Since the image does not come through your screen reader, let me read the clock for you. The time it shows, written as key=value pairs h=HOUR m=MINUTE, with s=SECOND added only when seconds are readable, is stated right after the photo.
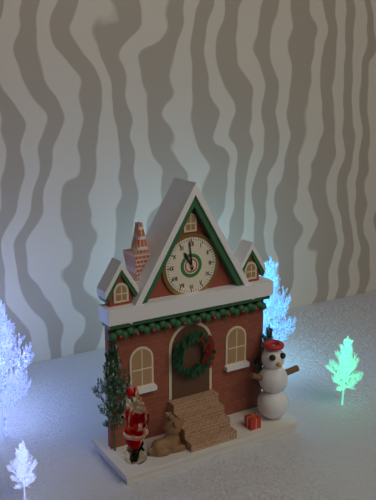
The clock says h=10 m=59
